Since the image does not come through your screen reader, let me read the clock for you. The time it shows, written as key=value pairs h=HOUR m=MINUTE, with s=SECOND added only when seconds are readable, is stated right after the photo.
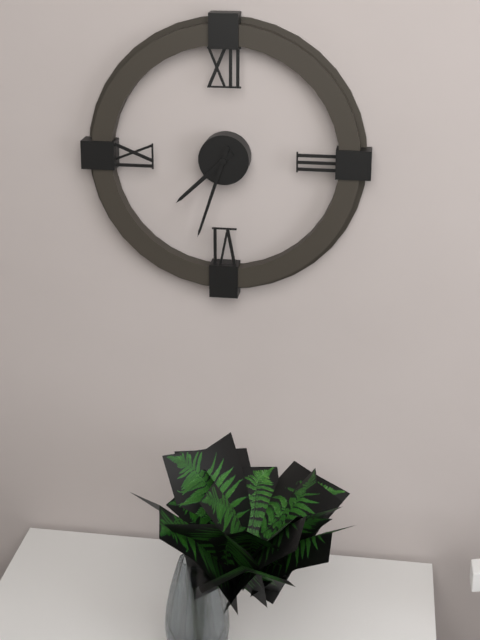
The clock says h=7 m=33
